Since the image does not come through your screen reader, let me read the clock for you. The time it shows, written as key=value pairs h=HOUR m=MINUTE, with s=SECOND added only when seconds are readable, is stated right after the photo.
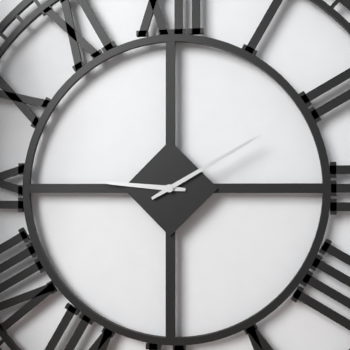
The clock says h=9 m=10
